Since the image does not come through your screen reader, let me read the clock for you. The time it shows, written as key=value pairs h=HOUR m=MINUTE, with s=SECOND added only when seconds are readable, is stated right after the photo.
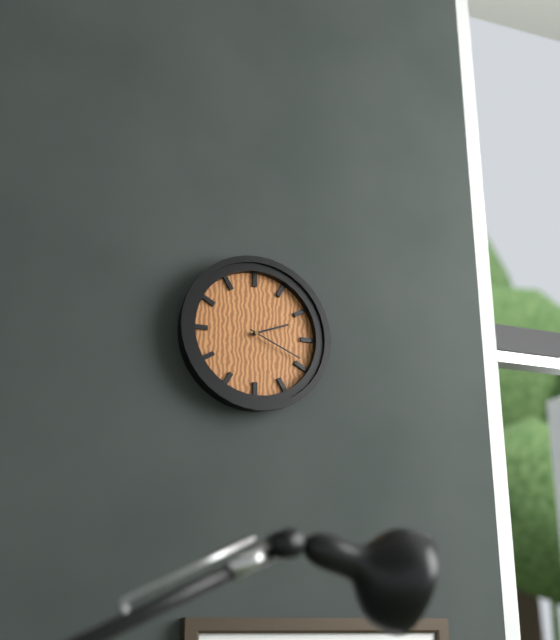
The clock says h=2 m=19
